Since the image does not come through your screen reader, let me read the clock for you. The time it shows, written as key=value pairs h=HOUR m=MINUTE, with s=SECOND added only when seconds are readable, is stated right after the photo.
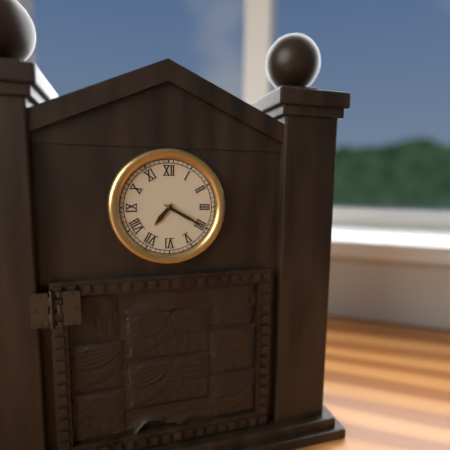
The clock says h=7 m=20
